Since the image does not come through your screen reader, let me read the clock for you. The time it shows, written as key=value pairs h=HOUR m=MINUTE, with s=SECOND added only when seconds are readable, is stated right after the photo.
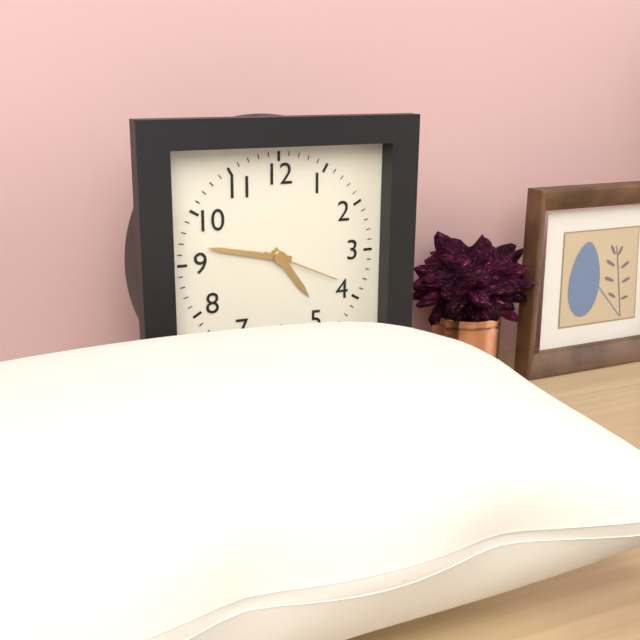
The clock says h=4 m=47 s=19
